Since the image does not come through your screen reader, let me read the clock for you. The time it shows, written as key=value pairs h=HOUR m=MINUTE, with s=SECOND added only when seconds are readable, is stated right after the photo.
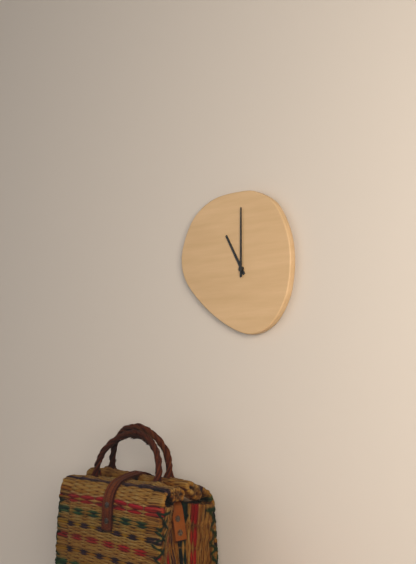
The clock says h=11 m=0
